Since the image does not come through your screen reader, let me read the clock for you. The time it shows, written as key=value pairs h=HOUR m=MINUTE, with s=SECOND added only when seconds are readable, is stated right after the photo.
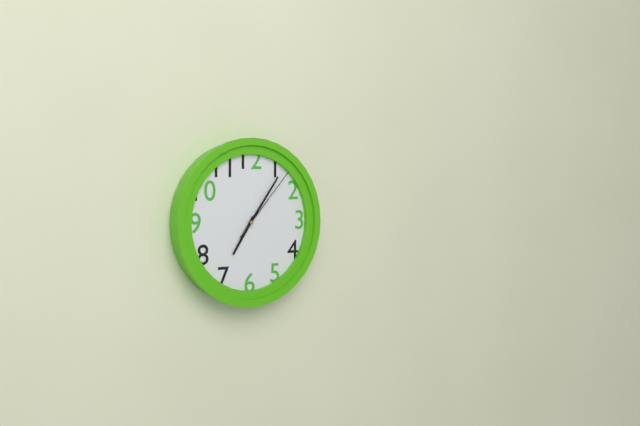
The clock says h=7 m=6 s=7
